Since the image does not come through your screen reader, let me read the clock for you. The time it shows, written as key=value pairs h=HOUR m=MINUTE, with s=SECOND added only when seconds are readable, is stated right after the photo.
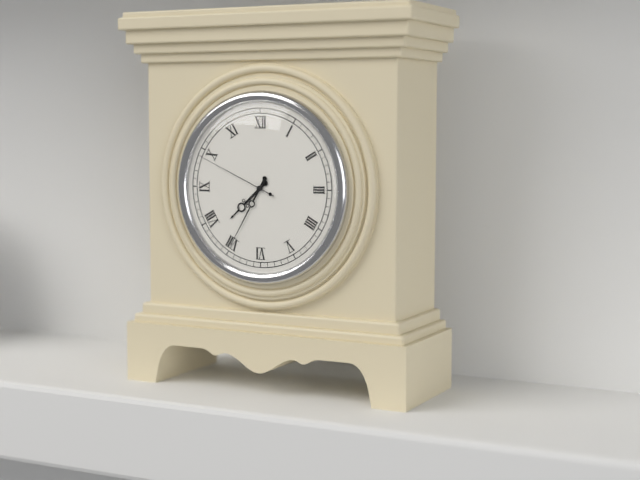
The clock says h=7 m=35 s=49
